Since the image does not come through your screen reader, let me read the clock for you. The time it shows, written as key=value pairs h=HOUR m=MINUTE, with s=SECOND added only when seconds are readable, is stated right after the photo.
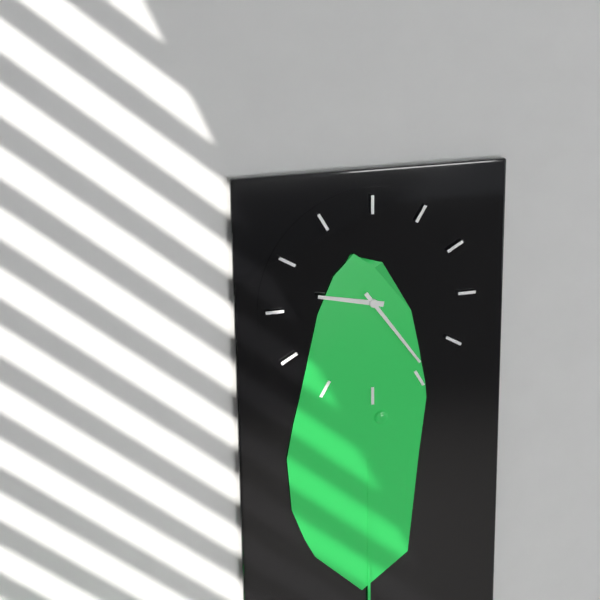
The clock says h=9 m=24
